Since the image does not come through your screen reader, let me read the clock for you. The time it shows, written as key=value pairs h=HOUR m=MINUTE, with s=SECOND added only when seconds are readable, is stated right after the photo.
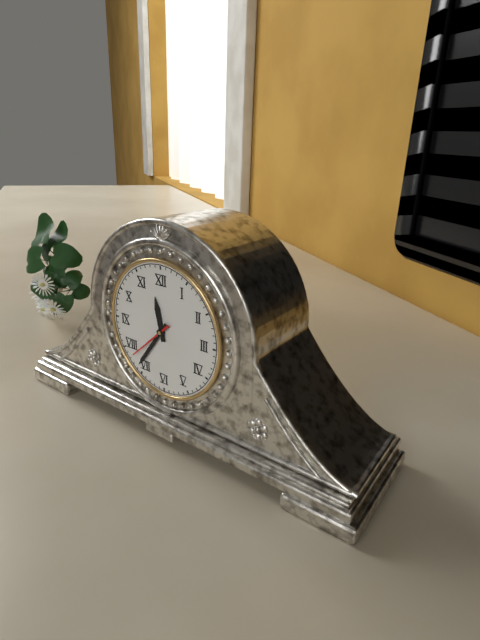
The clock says h=11 m=36 s=38
